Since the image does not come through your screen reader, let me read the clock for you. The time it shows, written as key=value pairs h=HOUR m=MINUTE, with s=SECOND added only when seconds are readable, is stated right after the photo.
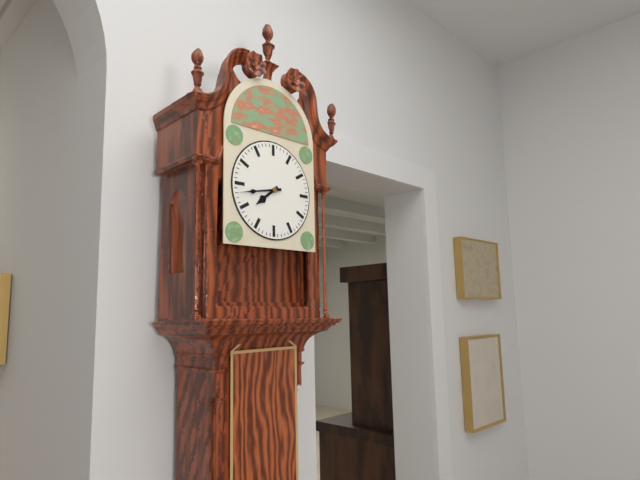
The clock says h=7 m=43
